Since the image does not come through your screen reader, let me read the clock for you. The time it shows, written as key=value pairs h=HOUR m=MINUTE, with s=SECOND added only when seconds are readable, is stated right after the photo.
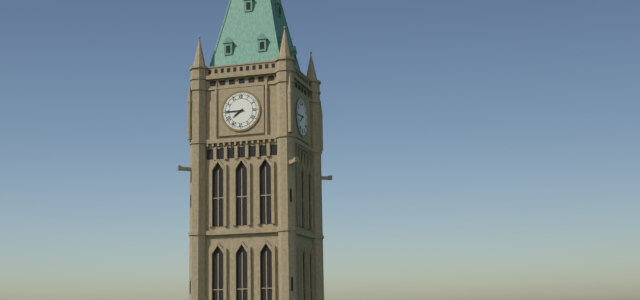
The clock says h=7 m=45
